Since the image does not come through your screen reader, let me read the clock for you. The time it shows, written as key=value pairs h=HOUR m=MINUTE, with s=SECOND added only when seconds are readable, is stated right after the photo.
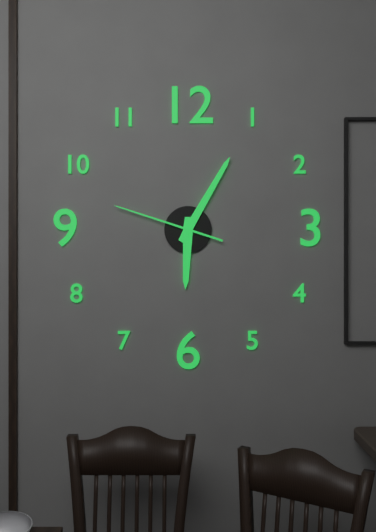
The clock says h=6 m=5 s=48
